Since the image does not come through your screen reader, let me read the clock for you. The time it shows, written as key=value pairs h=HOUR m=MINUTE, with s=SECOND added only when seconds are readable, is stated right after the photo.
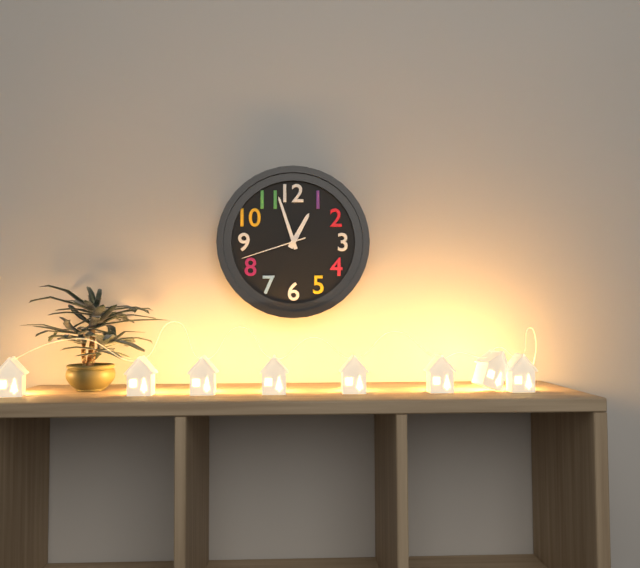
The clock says h=12 m=57 s=42
